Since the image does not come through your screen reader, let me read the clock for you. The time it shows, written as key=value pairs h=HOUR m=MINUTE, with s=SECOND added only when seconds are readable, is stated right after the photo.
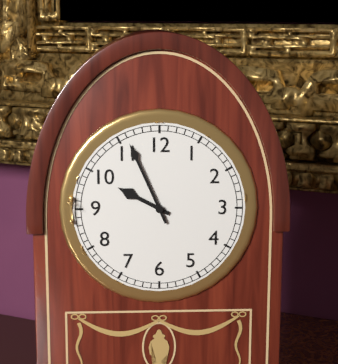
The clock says h=9 m=56
